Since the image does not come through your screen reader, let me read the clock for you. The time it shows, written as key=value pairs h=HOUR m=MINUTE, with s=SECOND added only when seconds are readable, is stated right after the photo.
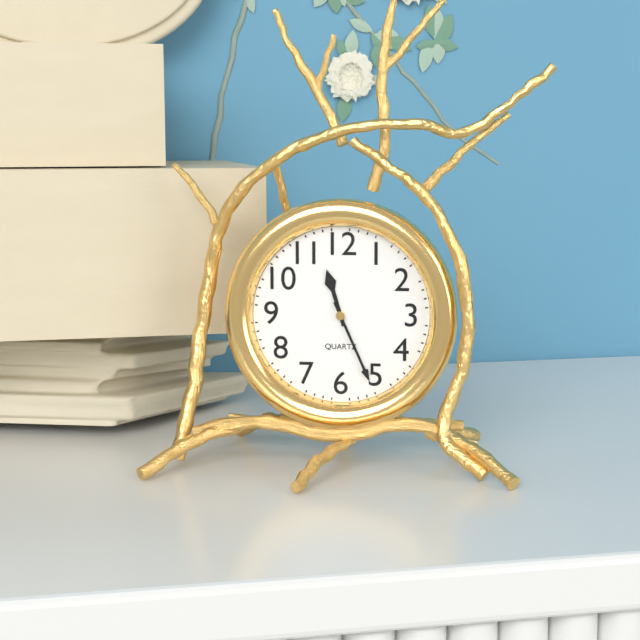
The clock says h=11 m=26
